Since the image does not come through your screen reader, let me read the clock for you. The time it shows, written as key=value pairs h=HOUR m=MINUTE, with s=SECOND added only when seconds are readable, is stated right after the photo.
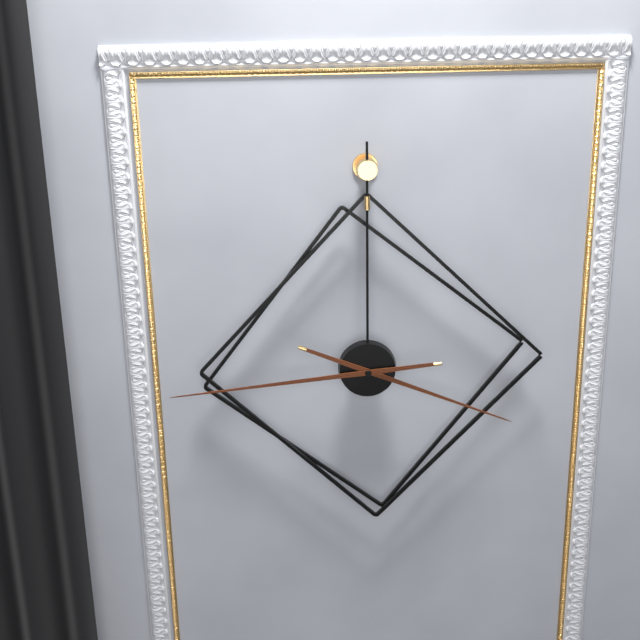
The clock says h=3 m=44
